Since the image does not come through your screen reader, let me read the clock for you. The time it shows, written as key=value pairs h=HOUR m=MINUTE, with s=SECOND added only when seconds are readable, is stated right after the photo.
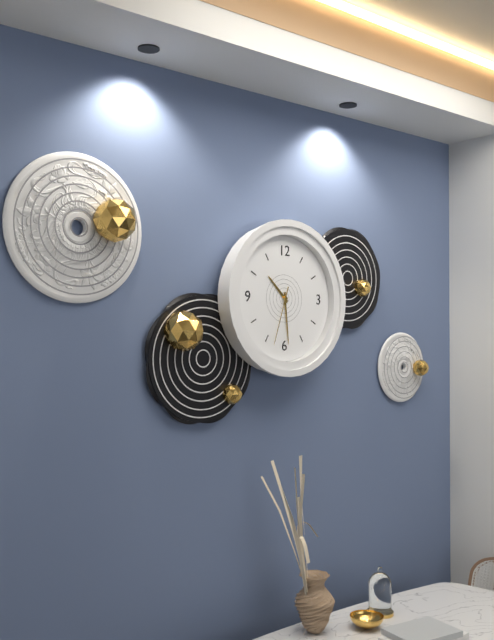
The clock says h=10 m=29 s=33
